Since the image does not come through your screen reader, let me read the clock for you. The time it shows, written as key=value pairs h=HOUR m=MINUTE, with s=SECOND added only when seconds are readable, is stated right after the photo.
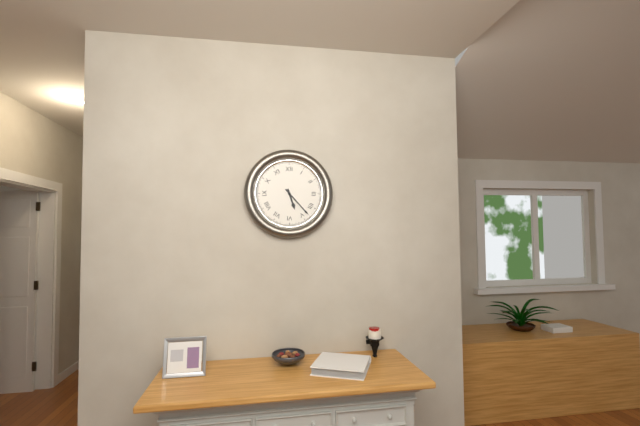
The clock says h=5 m=23
